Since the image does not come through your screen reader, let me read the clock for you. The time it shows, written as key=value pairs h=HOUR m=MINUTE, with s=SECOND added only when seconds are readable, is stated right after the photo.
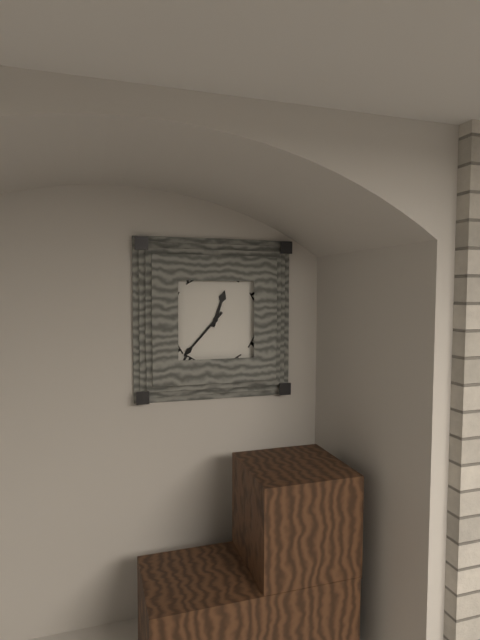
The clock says h=12 m=37
